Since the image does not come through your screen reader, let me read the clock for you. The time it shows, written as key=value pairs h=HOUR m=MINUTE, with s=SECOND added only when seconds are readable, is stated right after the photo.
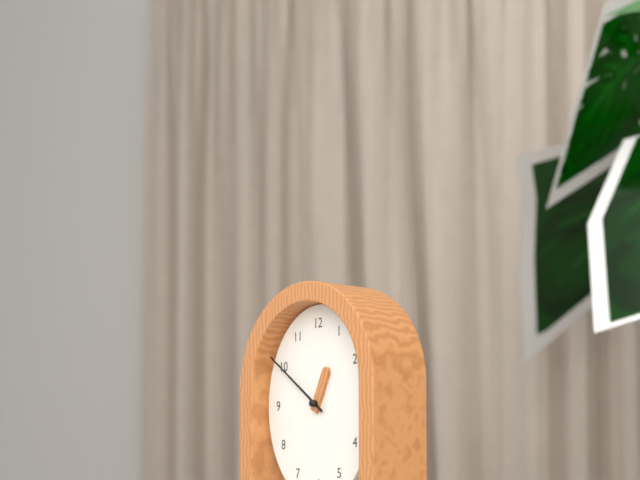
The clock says h=12 m=51
